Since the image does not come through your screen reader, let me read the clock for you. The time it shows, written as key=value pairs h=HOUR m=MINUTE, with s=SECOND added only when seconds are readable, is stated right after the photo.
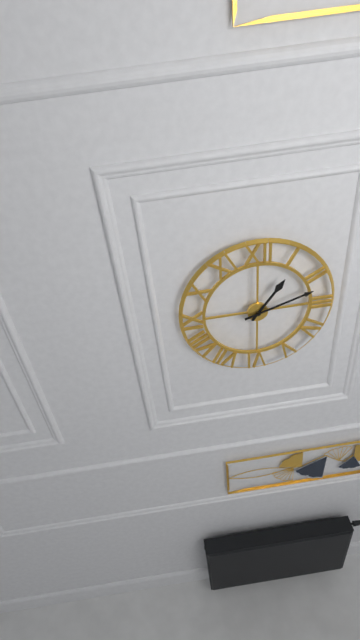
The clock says h=1 m=12
